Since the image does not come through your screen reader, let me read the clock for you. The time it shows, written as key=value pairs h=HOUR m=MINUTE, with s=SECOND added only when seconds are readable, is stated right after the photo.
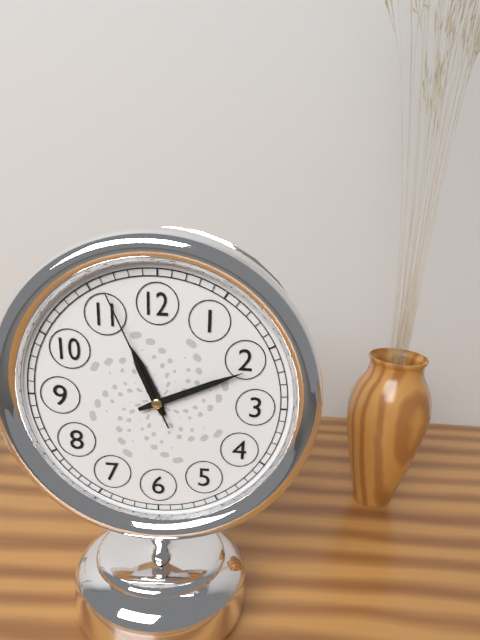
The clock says h=11 m=11 s=56
